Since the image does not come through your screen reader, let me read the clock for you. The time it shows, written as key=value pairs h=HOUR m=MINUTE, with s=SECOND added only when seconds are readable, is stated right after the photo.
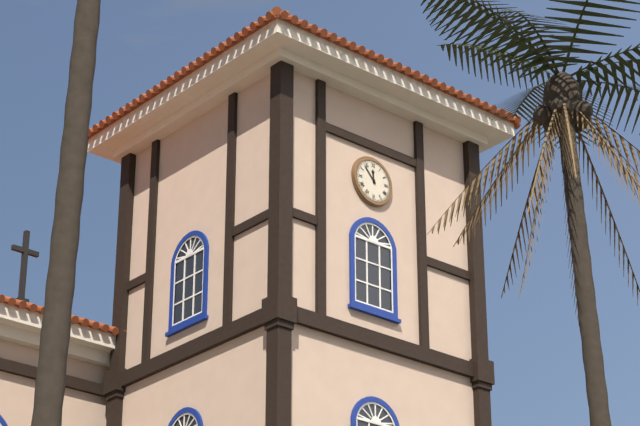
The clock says h=11 m=53
